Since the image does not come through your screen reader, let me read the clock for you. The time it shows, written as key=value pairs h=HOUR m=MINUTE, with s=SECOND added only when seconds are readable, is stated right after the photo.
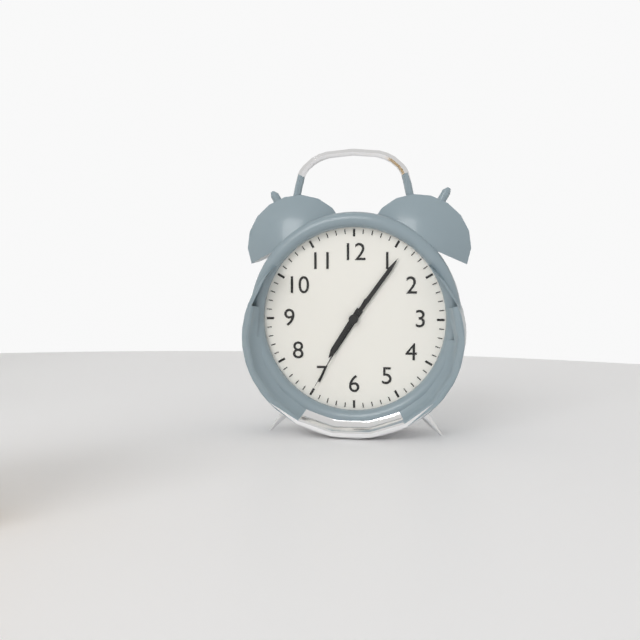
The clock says h=7 m=6 s=35
